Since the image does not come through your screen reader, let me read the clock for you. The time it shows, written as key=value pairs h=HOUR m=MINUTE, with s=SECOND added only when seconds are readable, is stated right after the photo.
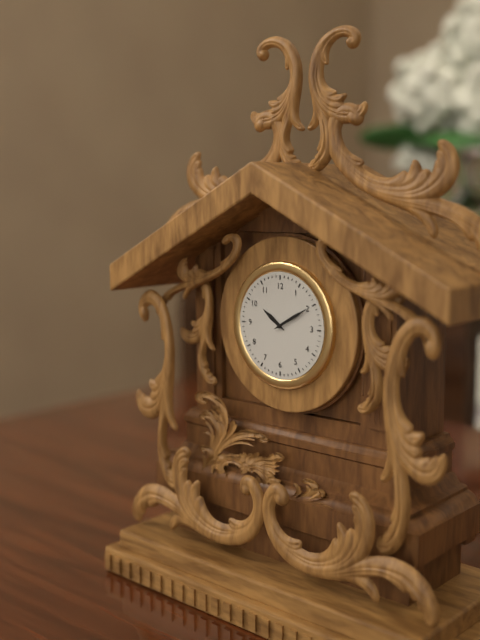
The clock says h=10 m=10
